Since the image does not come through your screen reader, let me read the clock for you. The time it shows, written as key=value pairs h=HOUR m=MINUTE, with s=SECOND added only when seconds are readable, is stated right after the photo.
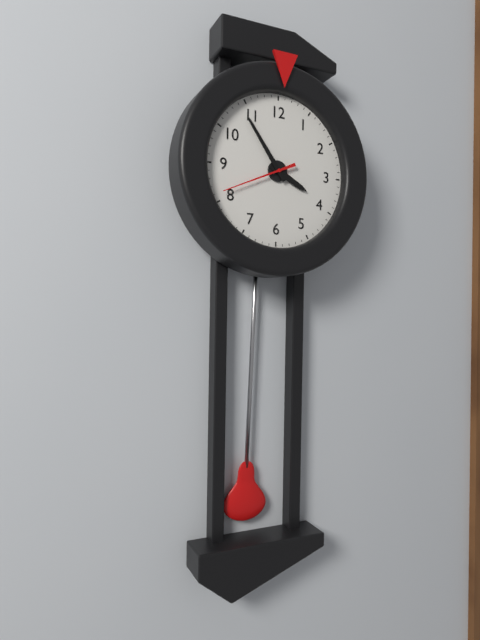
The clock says h=3 m=54
